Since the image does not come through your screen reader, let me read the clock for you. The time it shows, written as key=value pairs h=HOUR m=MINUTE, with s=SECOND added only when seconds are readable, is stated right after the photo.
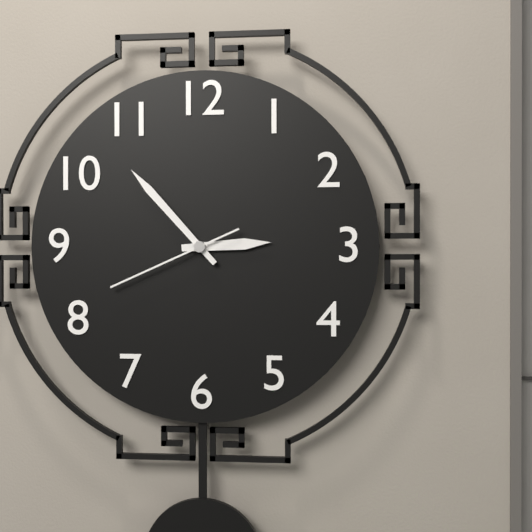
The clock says h=2 m=53 s=41
